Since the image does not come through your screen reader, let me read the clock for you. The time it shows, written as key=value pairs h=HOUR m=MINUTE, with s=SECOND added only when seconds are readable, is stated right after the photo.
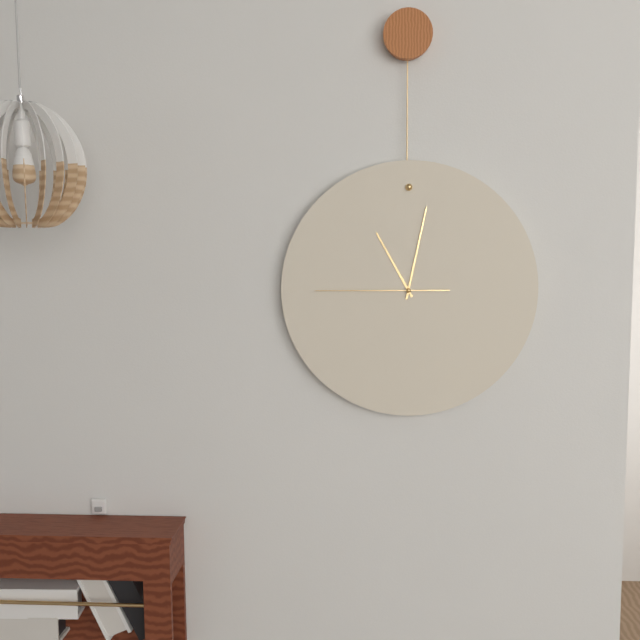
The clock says h=11 m=2 s=45
